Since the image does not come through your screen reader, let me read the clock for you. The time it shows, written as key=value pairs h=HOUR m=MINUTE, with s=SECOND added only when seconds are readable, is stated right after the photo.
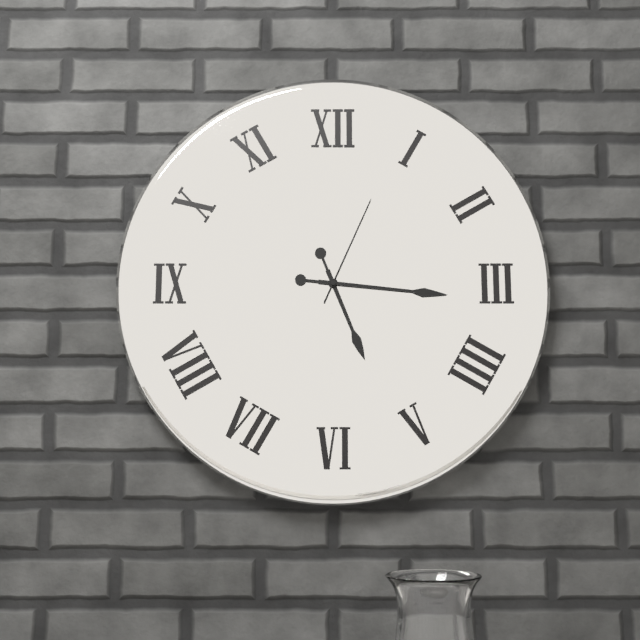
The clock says h=5 m=16 s=4
